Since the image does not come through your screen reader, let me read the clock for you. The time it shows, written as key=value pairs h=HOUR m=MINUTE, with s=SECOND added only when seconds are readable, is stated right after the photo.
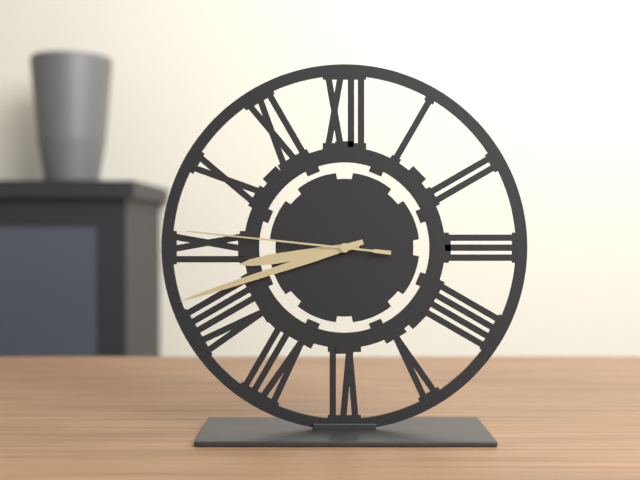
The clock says h=8 m=42 s=46
